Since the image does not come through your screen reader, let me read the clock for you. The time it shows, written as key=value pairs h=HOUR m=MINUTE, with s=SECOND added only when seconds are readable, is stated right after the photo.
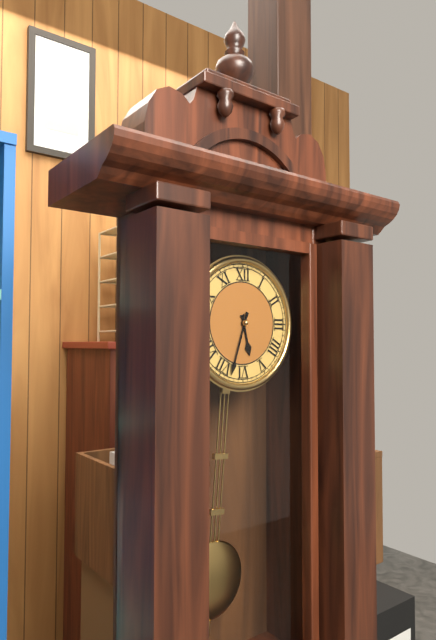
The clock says h=5 m=33
